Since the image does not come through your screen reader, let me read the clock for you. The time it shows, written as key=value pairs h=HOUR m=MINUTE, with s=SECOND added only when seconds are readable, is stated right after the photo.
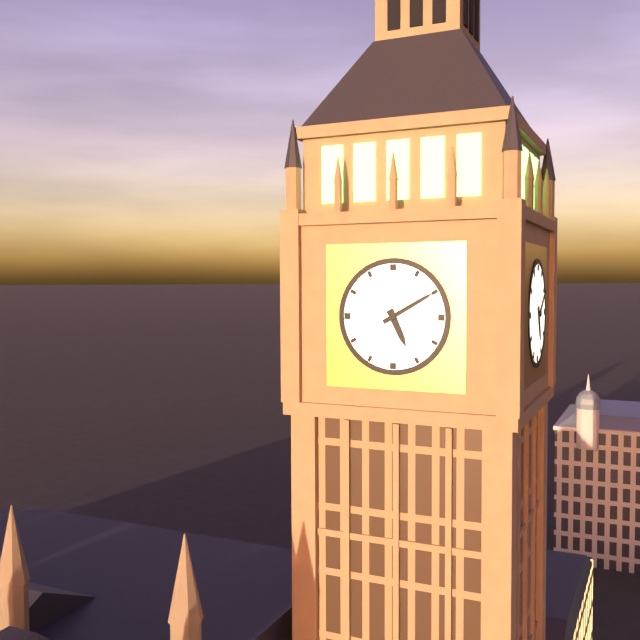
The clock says h=5 m=10
